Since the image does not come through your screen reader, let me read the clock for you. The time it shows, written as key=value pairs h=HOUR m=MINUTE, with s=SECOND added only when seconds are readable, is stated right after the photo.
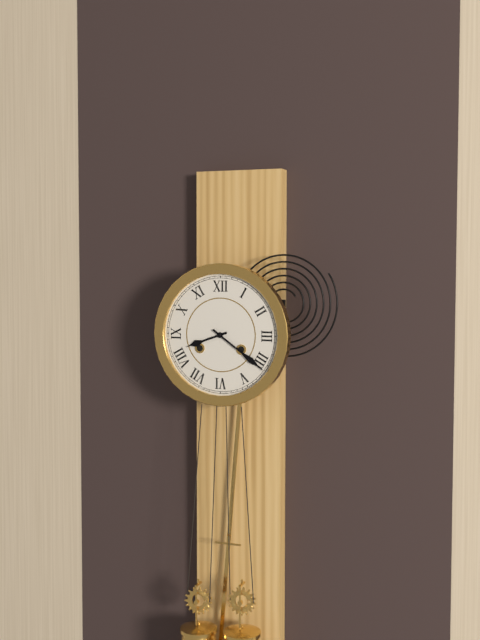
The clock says h=8 m=21
